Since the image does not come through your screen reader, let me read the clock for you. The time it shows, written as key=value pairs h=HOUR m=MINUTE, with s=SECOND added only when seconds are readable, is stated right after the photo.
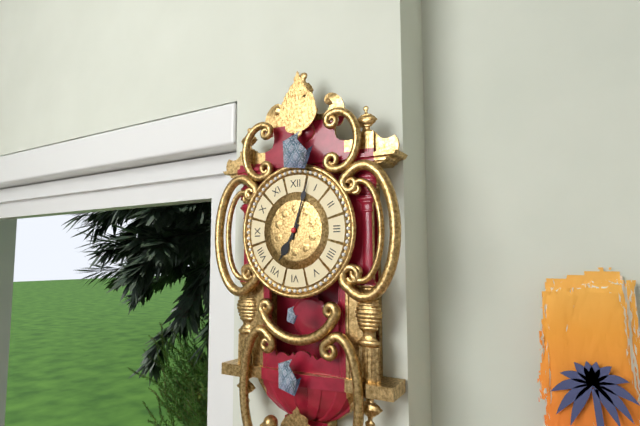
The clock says h=7 m=3
